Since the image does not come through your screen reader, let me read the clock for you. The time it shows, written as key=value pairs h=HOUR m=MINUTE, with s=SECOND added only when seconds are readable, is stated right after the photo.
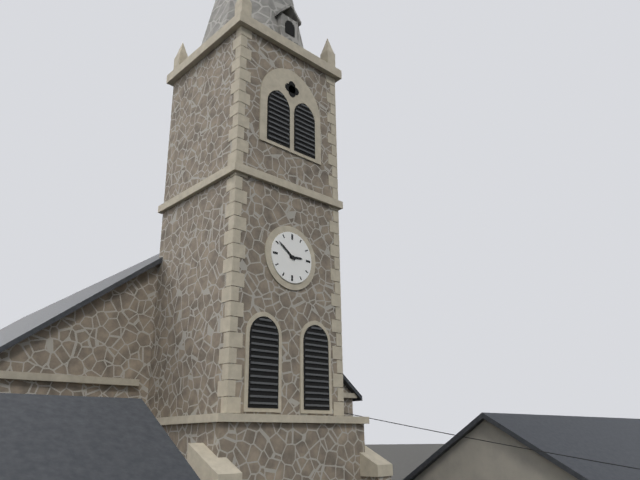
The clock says h=2 m=51
